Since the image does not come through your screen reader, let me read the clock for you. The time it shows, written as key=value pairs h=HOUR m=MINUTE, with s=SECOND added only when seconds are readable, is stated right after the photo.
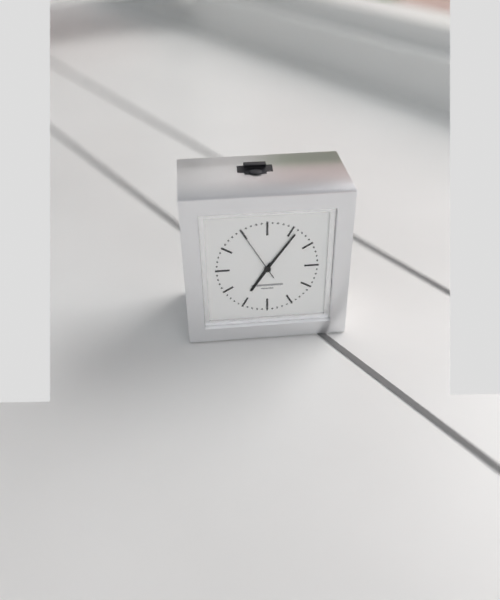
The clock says h=7 m=6 s=55
